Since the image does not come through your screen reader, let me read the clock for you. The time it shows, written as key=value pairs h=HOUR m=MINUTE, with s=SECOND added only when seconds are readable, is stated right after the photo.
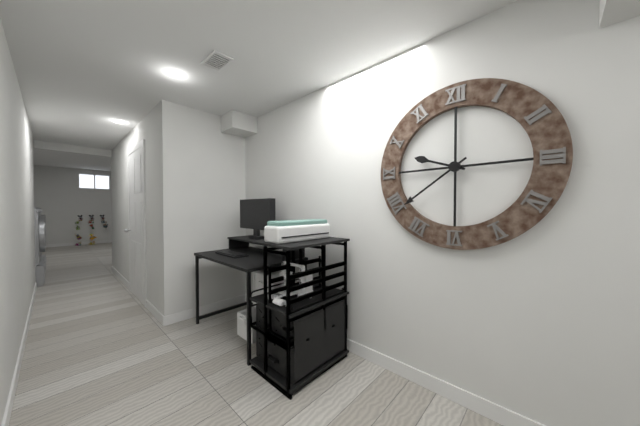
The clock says h=9 m=39
